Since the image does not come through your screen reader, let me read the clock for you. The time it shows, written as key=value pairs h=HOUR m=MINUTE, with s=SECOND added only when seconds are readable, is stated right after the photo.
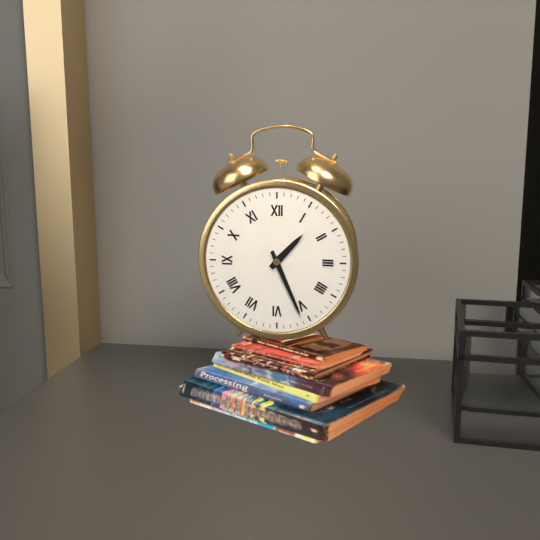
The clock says h=1 m=26
